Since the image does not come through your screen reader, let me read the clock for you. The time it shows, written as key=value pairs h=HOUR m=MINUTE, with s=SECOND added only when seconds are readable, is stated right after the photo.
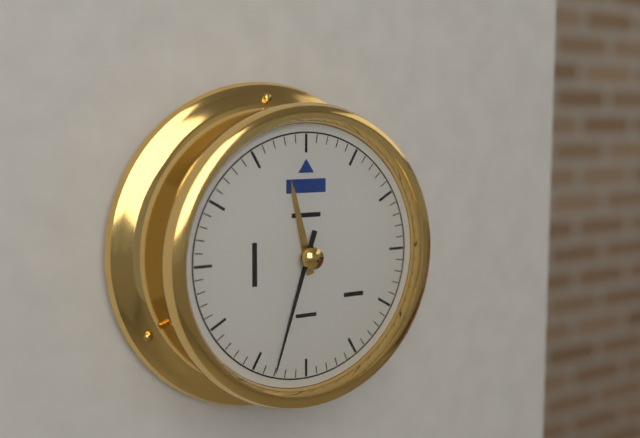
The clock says h=11 m=33
